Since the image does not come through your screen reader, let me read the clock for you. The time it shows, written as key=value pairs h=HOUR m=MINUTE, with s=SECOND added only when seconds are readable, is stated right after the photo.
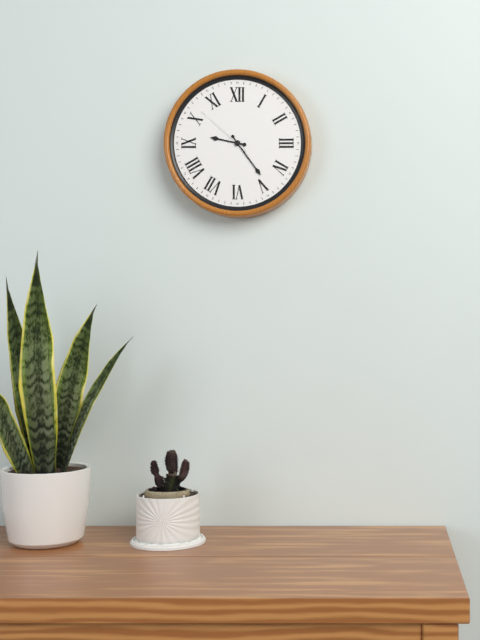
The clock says h=9 m=24 s=52
